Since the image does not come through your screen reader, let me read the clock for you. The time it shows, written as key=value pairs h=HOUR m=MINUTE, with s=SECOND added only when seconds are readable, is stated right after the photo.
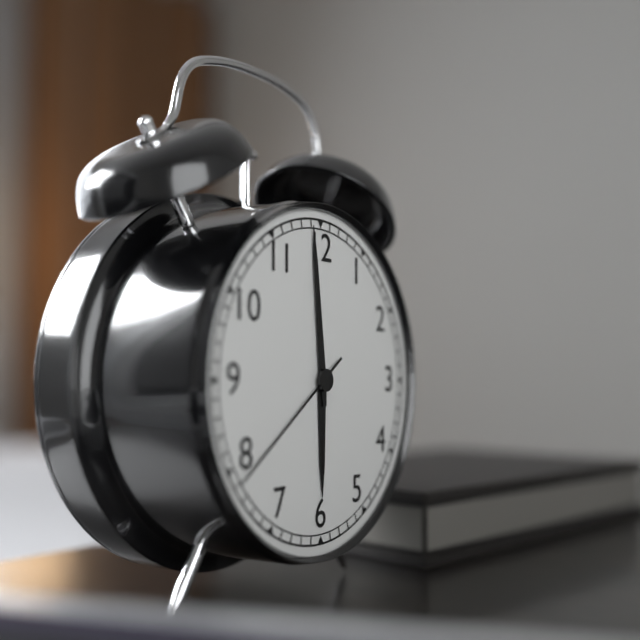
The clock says h=5 m=59 s=39
